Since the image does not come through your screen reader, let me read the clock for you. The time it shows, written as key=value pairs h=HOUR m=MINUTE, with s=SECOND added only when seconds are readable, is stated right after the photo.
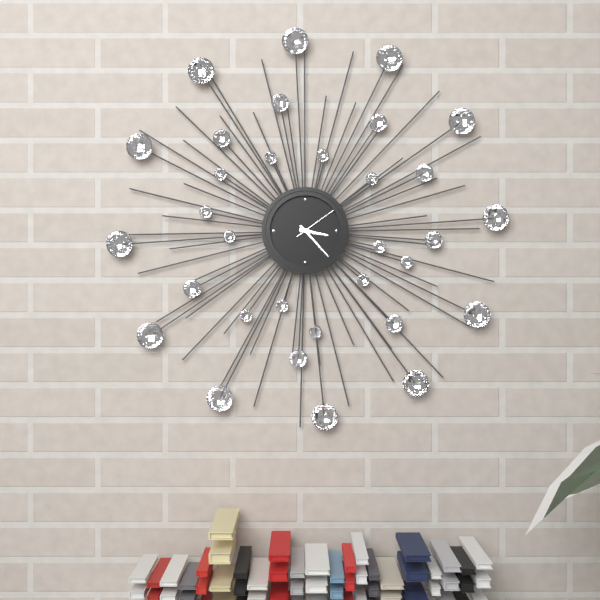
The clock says h=3 m=23
